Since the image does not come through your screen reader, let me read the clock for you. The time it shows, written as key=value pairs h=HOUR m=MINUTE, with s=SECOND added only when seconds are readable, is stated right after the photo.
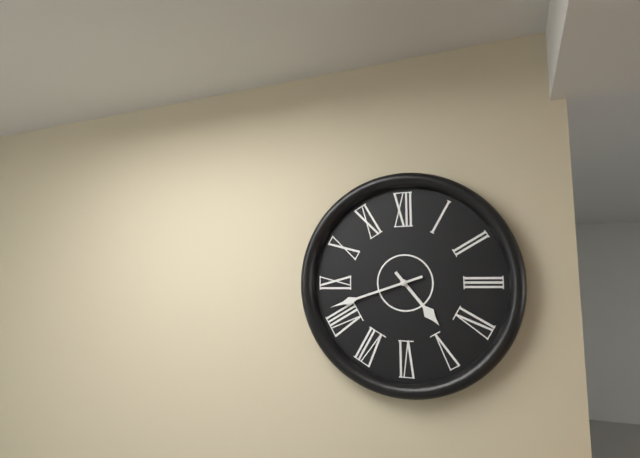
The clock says h=4 m=42
